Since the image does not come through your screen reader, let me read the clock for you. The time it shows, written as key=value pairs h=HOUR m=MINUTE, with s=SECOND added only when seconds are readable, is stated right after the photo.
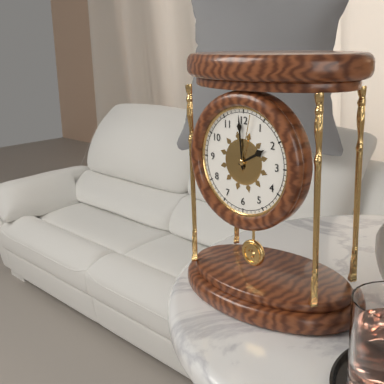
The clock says h=1 m=59 s=2
